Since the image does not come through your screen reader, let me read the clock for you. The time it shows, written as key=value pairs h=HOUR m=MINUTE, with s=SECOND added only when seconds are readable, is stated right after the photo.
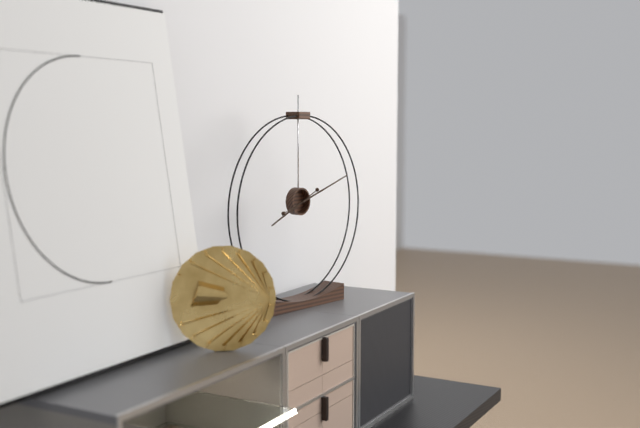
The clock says h=8 m=12
